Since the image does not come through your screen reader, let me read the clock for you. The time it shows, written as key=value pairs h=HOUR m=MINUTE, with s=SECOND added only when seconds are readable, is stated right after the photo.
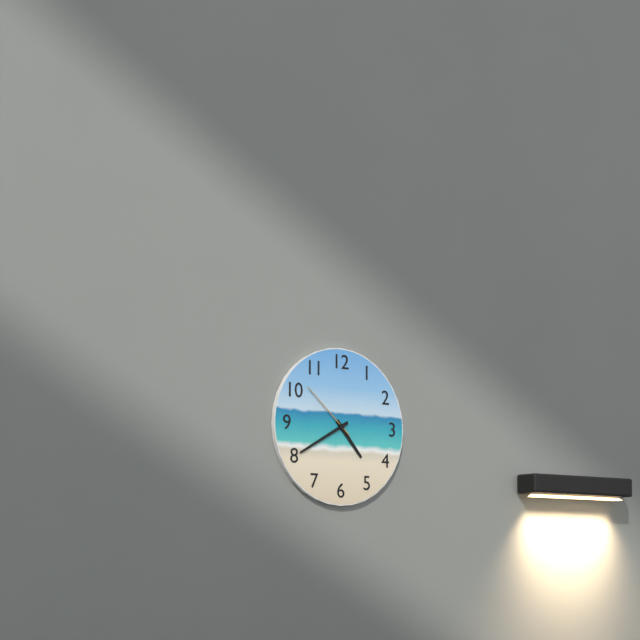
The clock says h=4 m=40 s=52
